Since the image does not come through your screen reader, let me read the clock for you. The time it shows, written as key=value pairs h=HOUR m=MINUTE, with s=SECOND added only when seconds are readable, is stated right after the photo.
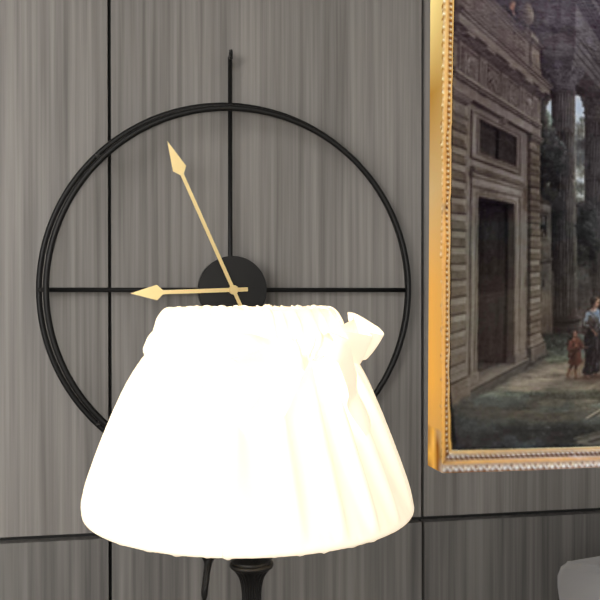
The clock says h=8 m=56
